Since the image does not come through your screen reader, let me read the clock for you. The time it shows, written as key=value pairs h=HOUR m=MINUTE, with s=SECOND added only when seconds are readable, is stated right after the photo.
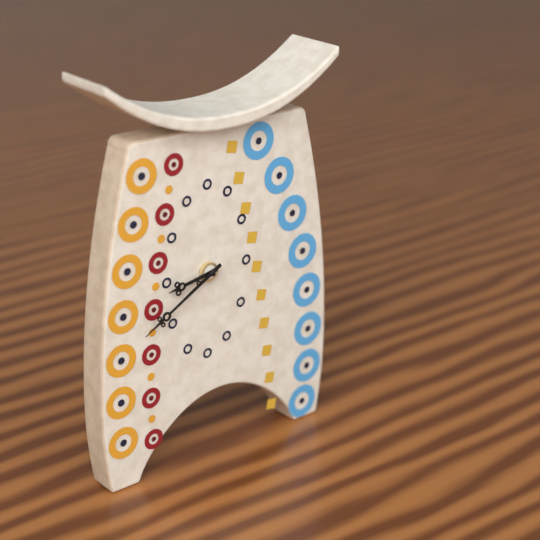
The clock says h=8 m=40
